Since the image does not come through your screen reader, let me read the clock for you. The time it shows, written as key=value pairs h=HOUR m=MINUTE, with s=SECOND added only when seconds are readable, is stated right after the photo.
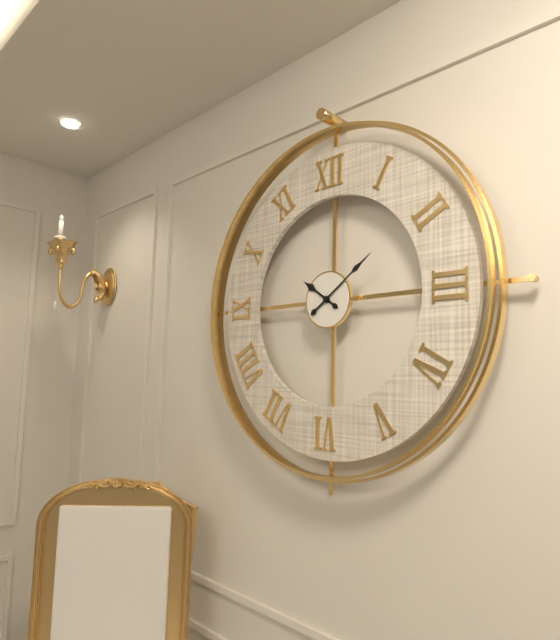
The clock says h=10 m=9
